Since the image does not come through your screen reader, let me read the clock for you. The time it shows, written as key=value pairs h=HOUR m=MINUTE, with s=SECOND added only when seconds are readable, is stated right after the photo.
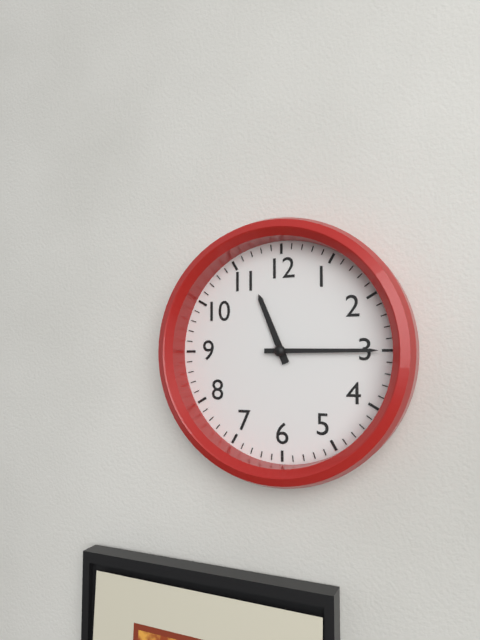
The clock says h=11 m=15
